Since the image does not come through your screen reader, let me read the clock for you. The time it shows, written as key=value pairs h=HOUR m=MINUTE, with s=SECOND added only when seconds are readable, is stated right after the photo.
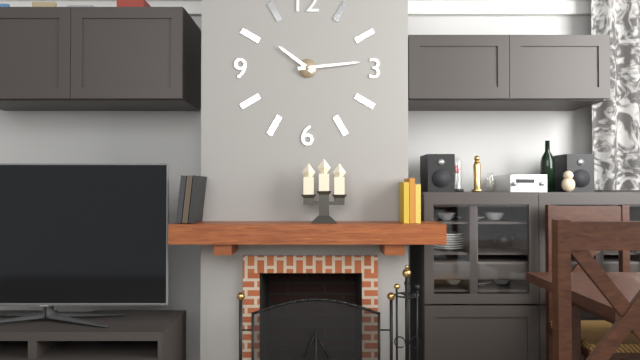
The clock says h=10 m=14
